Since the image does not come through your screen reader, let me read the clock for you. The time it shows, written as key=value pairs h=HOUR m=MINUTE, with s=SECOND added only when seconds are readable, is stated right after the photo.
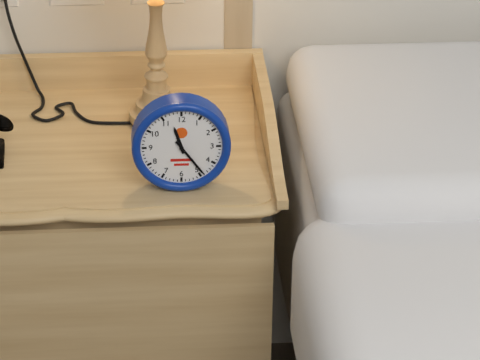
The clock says h=11 m=24
